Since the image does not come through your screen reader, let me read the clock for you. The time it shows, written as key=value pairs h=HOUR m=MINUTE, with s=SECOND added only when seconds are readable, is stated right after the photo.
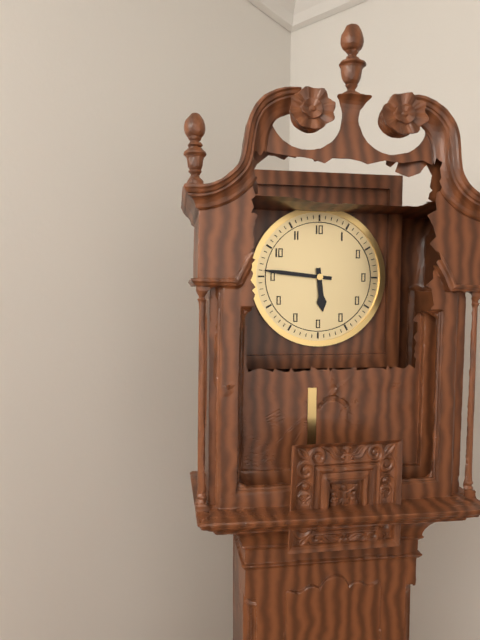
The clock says h=5 m=46
